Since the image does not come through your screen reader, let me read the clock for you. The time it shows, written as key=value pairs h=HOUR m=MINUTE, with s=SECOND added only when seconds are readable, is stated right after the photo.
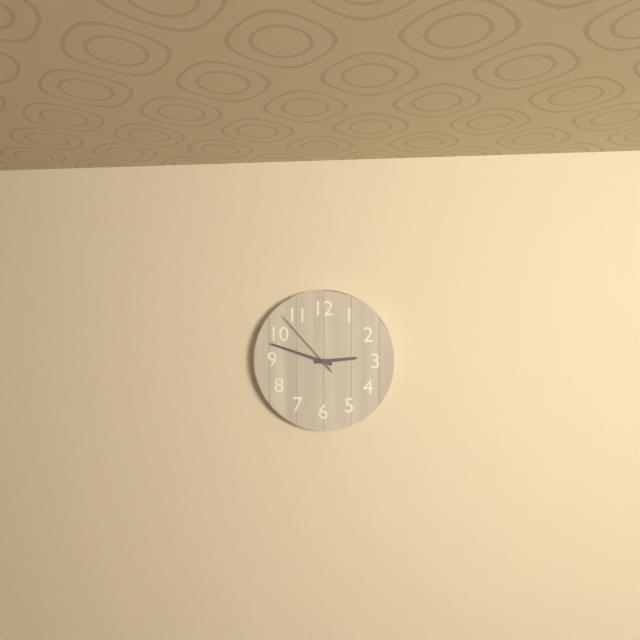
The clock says h=2 m=48 s=53
